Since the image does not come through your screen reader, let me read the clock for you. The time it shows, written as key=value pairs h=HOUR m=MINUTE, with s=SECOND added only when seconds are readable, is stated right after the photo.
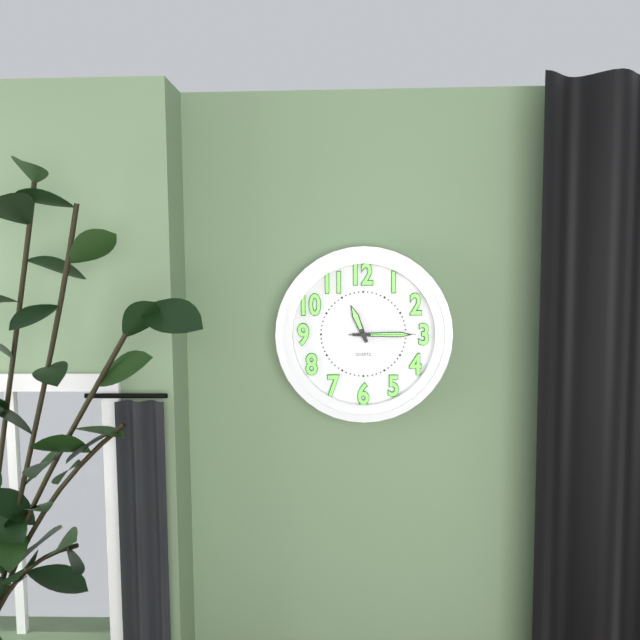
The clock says h=11 m=15 s=15
